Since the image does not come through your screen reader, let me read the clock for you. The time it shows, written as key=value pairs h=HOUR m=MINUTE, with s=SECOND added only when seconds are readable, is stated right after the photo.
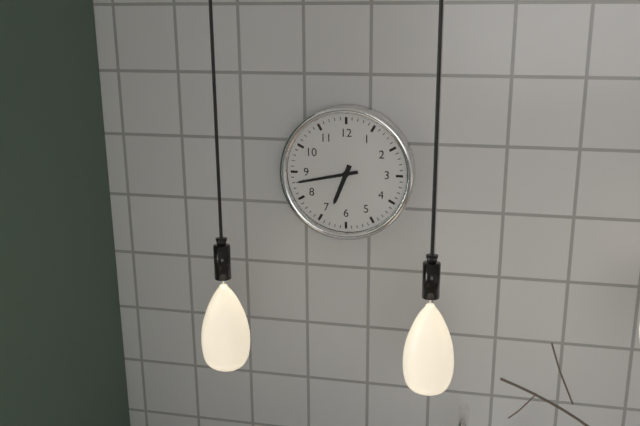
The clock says h=6 m=43
